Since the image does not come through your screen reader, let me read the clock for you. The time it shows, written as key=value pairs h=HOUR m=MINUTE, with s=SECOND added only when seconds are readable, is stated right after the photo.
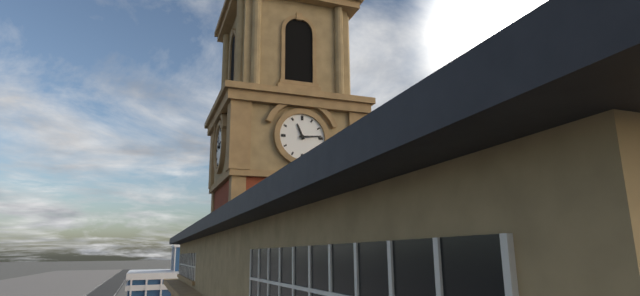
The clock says h=11 m=14
